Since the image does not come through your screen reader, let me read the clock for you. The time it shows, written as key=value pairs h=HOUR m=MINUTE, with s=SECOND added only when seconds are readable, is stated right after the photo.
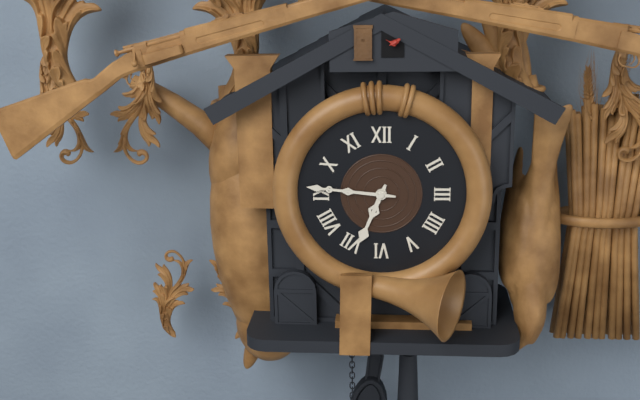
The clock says h=6 m=46
